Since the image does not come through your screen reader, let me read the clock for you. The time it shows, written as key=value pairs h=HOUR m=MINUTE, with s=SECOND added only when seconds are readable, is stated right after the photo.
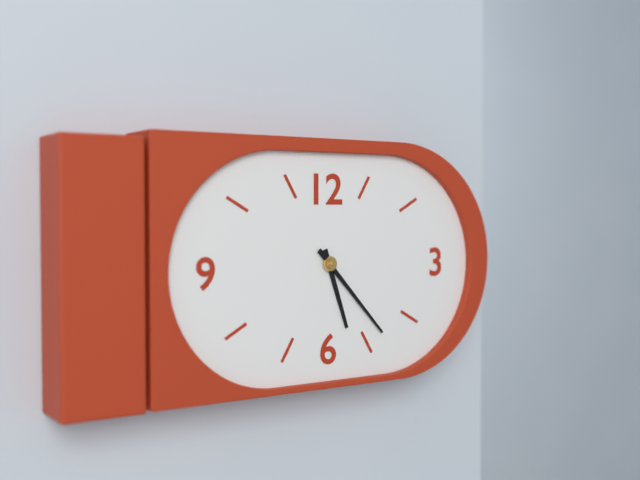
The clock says h=5 m=23
